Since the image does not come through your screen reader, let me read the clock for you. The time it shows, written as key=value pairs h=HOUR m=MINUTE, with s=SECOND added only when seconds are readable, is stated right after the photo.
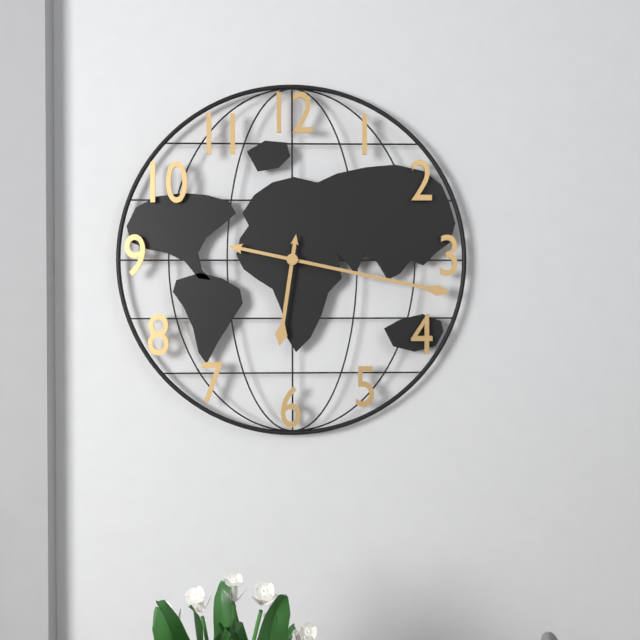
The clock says h=6 m=17
